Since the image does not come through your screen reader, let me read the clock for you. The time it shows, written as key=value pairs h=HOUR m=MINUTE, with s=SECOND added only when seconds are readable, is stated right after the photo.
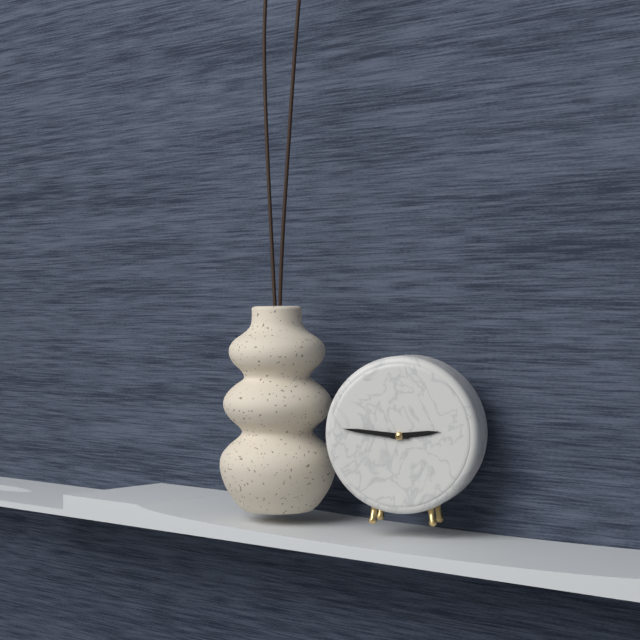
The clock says h=2 m=46
